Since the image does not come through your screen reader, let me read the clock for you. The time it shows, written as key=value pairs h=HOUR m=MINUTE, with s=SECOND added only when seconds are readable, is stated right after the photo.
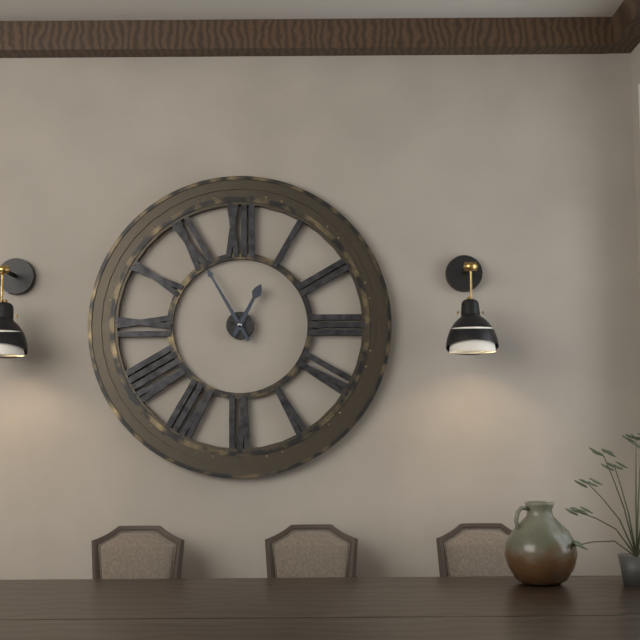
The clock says h=12 m=55
